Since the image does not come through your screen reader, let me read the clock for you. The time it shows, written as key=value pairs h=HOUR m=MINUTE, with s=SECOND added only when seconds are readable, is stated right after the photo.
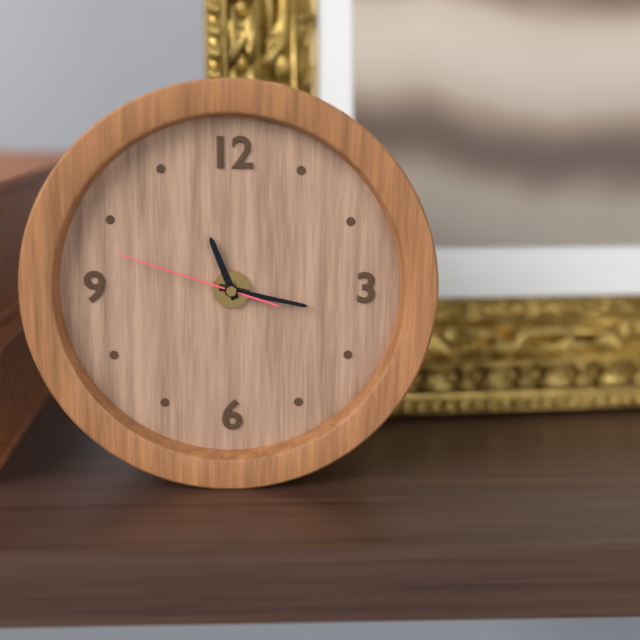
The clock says h=11 m=17 s=48
